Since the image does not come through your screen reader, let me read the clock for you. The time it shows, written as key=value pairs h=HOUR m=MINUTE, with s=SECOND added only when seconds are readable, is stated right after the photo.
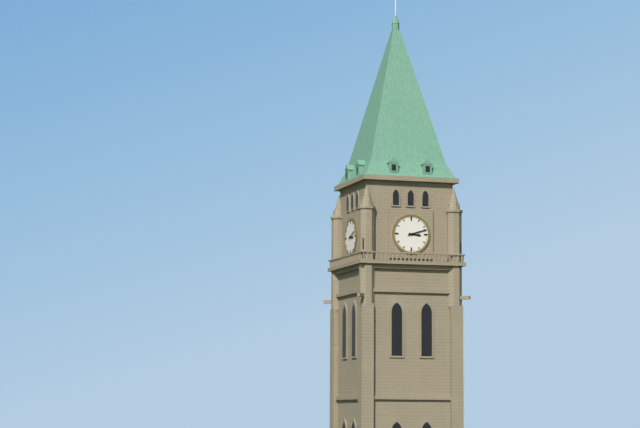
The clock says h=3 m=12
